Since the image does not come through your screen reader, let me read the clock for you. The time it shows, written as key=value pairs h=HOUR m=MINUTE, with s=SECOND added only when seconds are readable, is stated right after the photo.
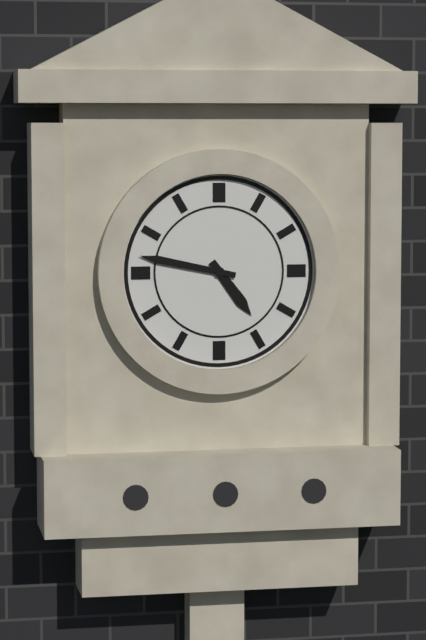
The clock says h=4 m=47
